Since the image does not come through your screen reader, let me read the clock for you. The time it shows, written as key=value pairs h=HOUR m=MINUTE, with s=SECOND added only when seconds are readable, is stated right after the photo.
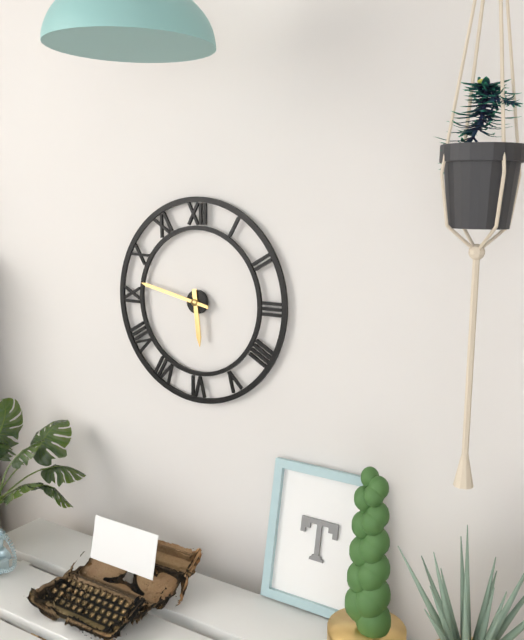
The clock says h=5 m=47
